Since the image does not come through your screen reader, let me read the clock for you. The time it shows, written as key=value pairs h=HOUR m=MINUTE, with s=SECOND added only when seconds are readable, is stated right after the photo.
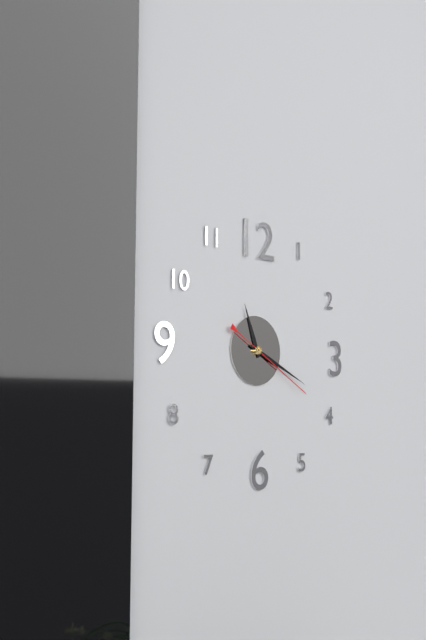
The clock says h=11 m=19 s=20
